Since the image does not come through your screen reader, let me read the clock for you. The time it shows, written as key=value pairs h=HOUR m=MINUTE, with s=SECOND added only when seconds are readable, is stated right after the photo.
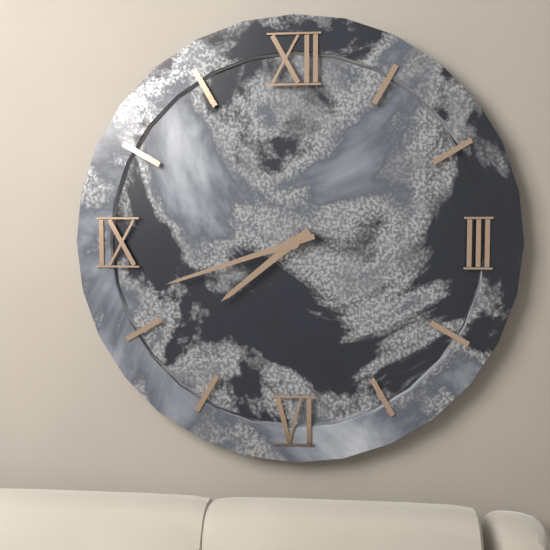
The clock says h=7 m=42
